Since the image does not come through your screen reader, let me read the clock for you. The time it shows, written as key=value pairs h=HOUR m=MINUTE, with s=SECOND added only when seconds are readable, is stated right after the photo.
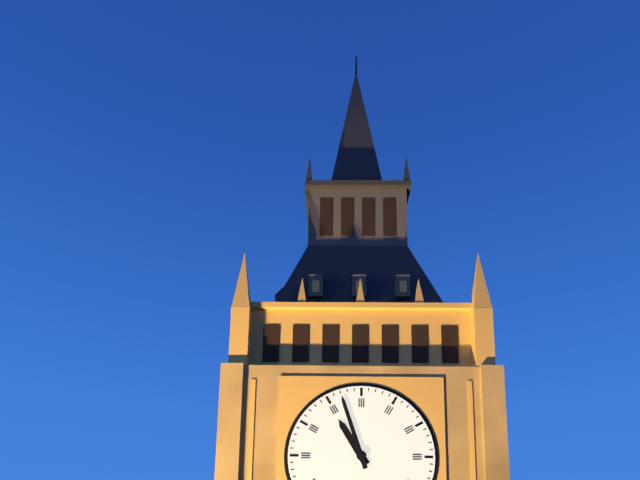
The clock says h=10 m=57
